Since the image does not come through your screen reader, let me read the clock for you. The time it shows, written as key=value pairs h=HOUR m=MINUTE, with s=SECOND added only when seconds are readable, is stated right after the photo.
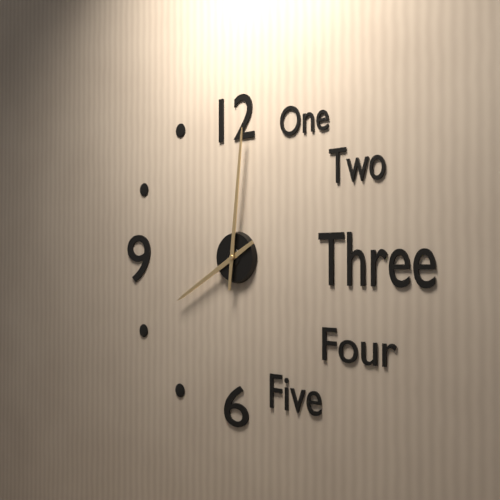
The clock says h=8 m=1
